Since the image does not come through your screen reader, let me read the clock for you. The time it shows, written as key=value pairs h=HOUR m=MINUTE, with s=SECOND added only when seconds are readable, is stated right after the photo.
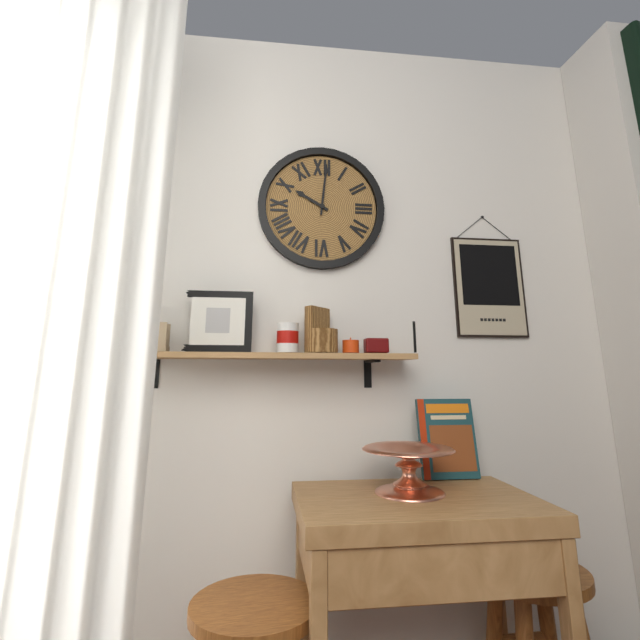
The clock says h=10 m=1
